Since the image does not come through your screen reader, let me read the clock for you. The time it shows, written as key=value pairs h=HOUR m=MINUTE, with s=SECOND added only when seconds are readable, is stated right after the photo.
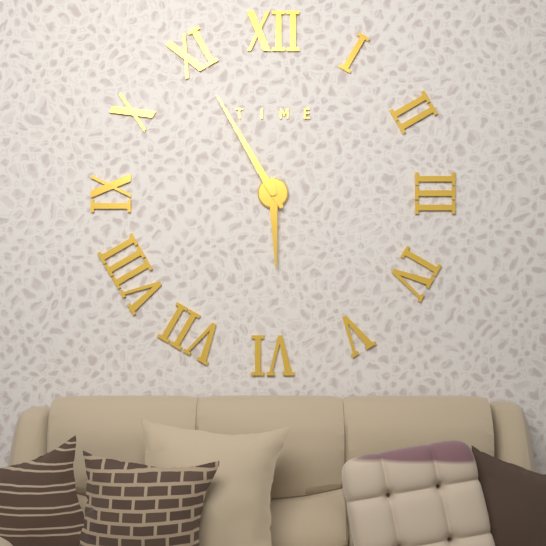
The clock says h=5 m=55
